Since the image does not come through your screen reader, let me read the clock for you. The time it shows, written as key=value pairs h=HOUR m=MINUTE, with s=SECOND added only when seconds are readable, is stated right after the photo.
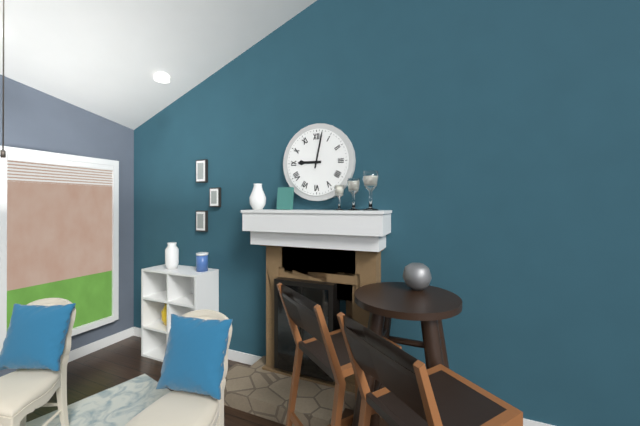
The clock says h=9 m=2
